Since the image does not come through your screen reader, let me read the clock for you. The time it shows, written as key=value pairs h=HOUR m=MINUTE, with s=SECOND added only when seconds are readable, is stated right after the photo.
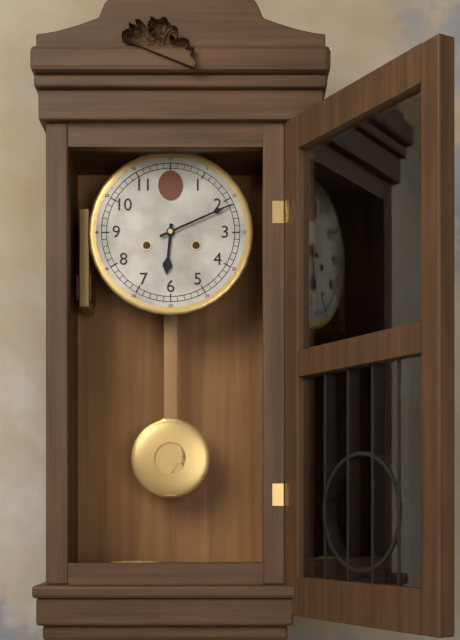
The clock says h=6 m=11
